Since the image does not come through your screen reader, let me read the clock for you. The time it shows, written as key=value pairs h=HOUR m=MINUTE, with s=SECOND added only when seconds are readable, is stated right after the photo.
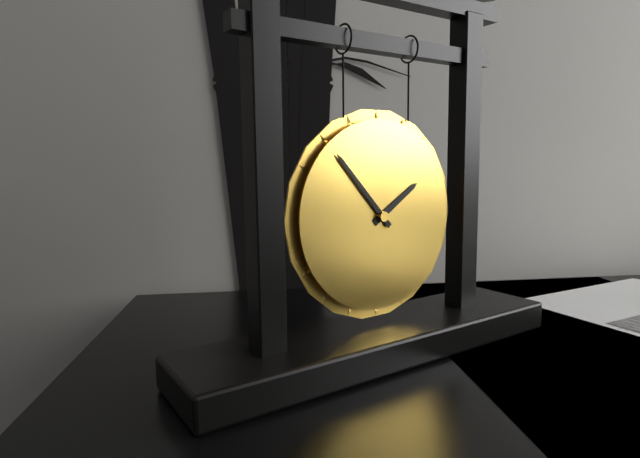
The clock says h=1 m=53
